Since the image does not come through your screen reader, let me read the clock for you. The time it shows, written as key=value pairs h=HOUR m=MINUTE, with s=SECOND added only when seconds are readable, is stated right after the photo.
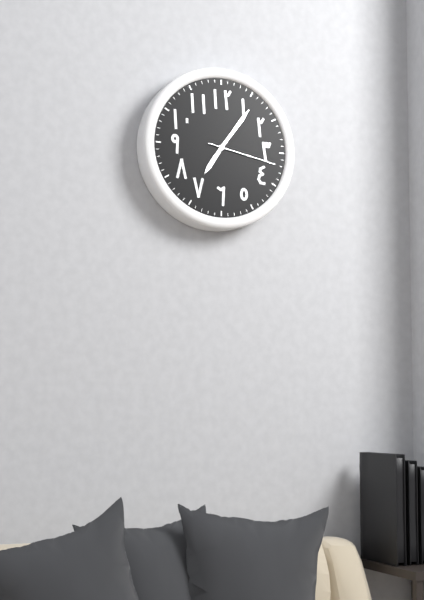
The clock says h=7 m=6 s=17
